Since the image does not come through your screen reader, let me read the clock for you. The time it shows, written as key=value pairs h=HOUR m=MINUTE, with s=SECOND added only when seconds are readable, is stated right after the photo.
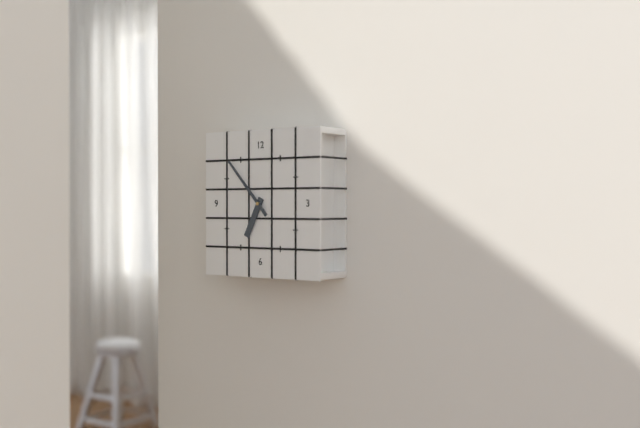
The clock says h=6 m=53
